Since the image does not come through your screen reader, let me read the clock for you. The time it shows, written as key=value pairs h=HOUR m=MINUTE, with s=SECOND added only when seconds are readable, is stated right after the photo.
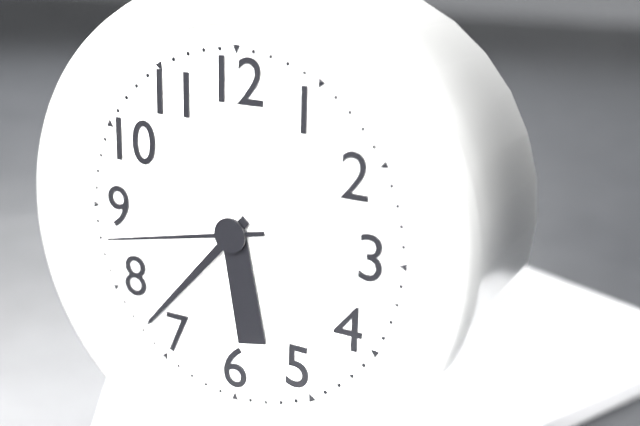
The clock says h=5 m=37 s=43
